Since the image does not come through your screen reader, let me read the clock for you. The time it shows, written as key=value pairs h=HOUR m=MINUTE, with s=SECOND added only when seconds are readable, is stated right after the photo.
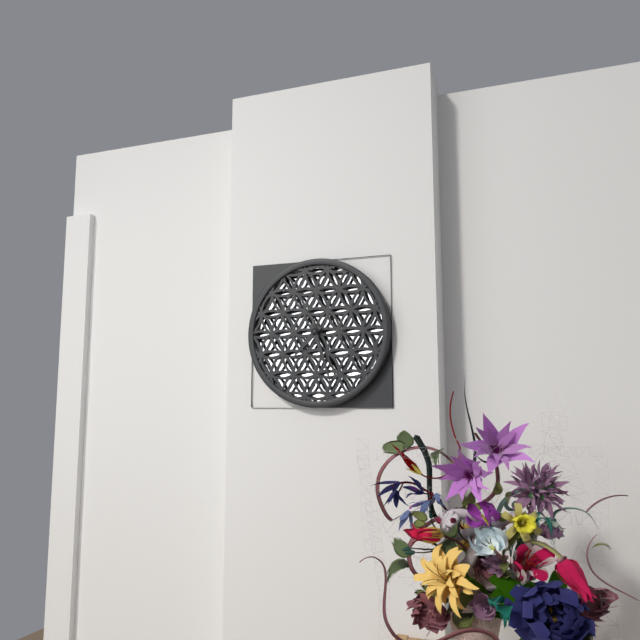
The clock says h=7 m=27
